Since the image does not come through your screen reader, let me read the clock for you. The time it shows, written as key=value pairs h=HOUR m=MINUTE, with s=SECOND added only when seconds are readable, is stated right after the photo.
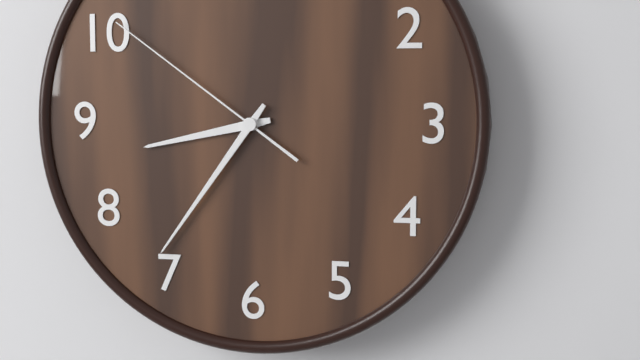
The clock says h=8 m=36 s=51
